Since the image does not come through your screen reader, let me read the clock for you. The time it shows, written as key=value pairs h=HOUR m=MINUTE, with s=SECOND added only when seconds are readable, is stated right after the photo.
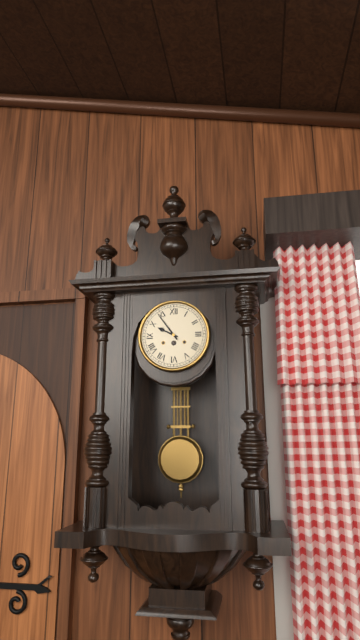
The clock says h=9 m=54
